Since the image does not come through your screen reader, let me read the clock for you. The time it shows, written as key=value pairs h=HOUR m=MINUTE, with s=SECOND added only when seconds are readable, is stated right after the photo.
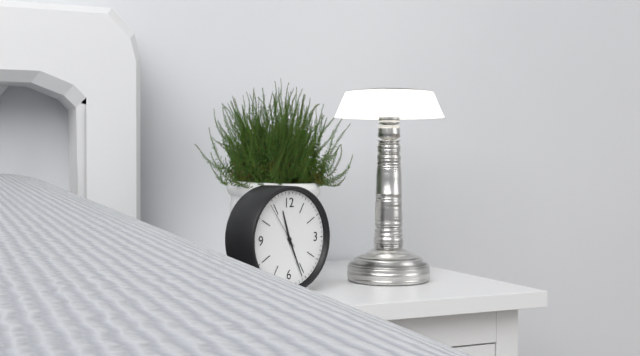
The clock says h=11 m=26 s=54
